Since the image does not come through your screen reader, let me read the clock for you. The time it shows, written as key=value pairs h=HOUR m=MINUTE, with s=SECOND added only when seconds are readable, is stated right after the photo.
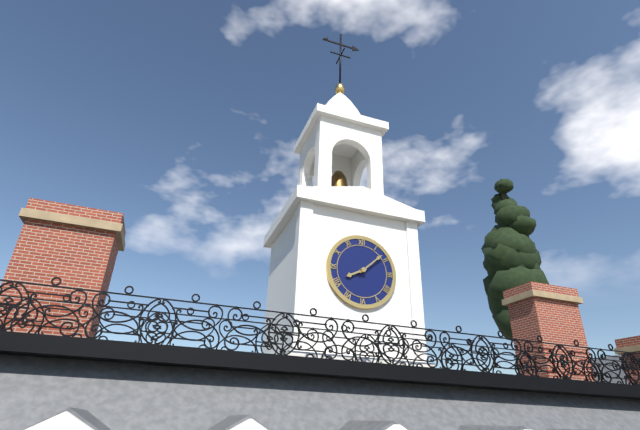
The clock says h=8 m=8
